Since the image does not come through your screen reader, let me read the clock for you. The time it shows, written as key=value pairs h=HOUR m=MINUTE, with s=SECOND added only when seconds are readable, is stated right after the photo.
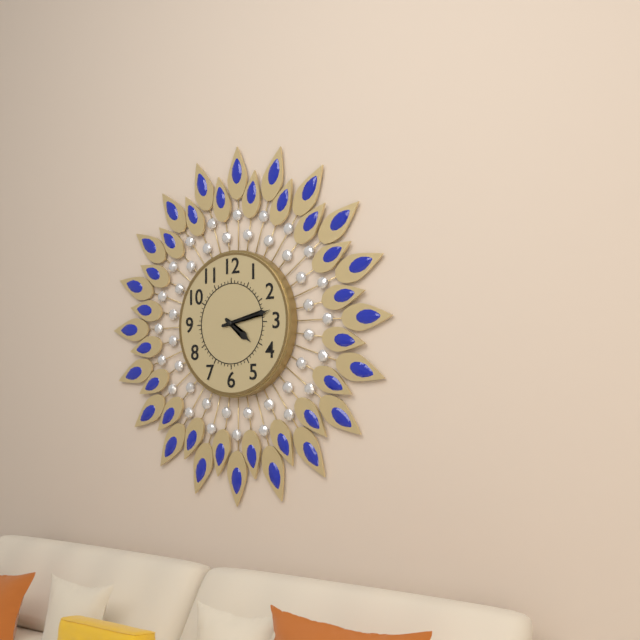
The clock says h=4 m=13
